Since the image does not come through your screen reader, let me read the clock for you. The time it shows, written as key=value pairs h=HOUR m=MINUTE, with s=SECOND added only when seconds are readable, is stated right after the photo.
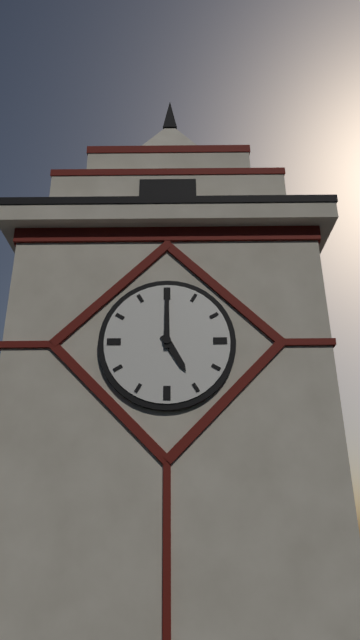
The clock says h=5 m=0
